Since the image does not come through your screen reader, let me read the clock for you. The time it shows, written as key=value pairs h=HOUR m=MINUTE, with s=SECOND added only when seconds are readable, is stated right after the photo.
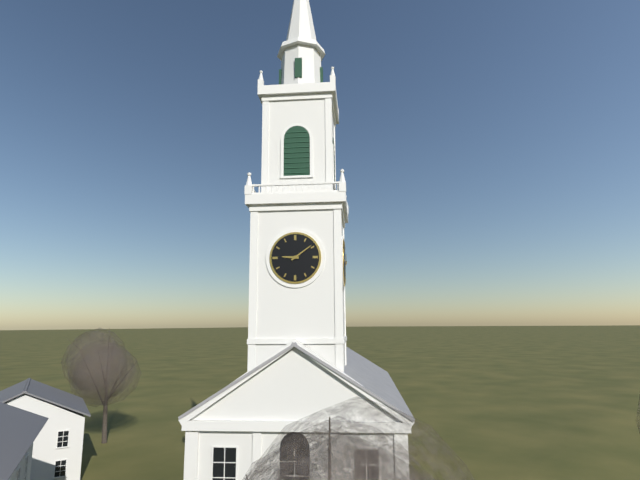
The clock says h=9 m=9
